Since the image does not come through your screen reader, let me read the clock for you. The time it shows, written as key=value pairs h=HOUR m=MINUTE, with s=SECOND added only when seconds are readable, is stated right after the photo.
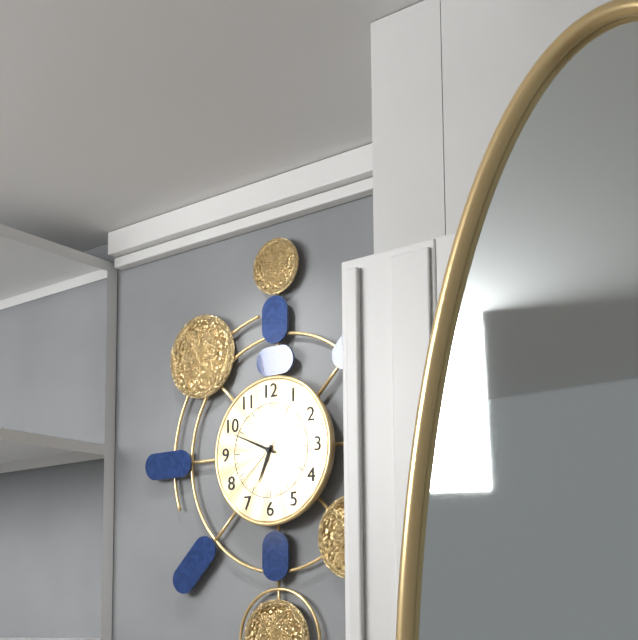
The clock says h=6 m=49 s=38
